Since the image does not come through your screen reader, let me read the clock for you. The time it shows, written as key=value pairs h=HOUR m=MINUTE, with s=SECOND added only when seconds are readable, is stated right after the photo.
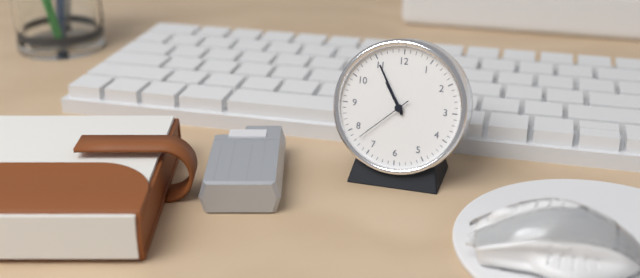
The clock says h=10 m=55 s=38
